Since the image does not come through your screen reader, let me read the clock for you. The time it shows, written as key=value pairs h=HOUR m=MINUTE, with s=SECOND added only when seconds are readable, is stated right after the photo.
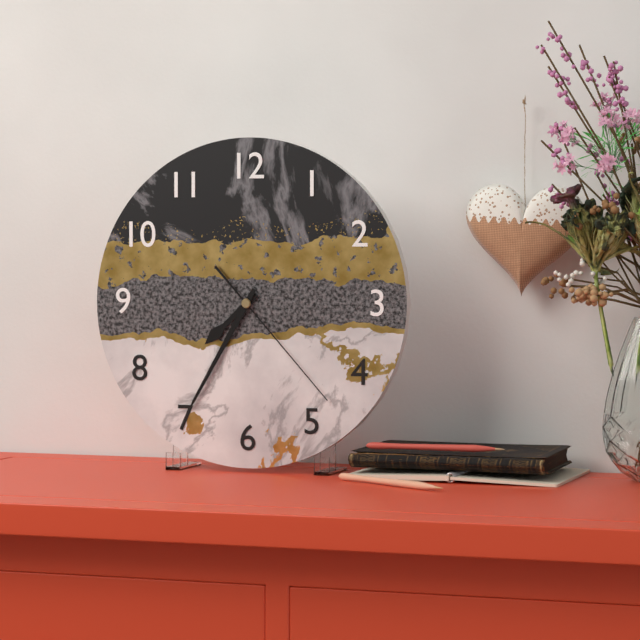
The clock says h=7 m=35 s=23
